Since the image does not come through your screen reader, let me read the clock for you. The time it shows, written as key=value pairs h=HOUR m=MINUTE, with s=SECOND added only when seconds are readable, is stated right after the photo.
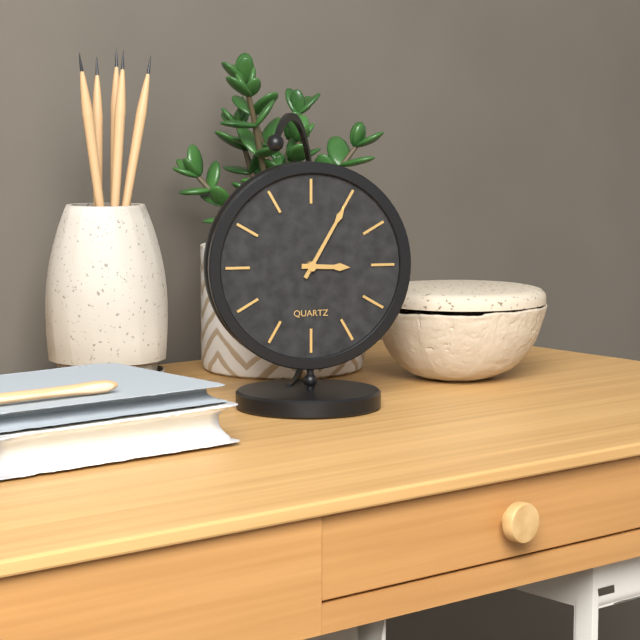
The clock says h=3 m=5
